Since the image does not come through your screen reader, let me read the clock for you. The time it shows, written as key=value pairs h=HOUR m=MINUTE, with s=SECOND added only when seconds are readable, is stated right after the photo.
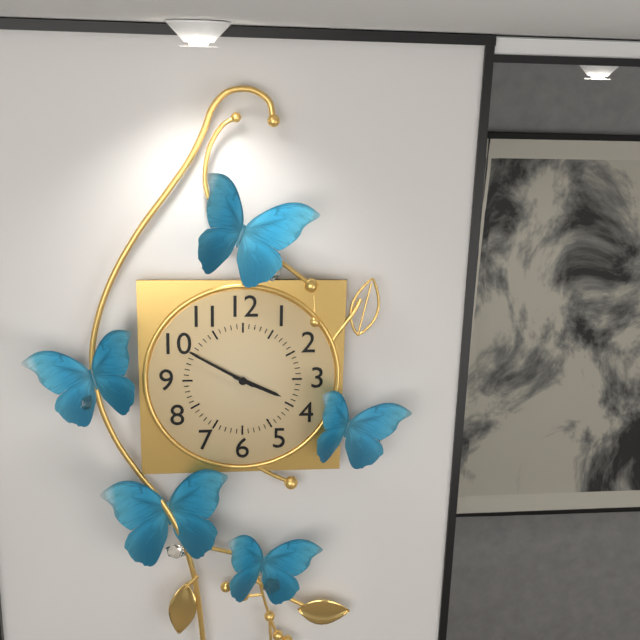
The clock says h=3 m=50
